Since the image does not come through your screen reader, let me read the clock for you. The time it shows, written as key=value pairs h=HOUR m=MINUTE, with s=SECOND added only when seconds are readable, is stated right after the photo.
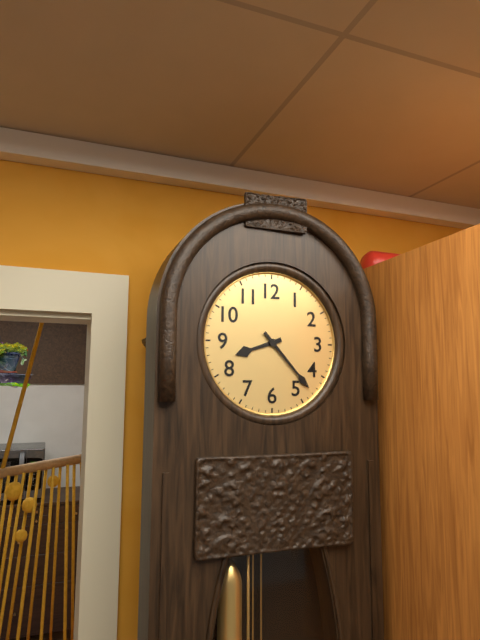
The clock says h=8 m=23
